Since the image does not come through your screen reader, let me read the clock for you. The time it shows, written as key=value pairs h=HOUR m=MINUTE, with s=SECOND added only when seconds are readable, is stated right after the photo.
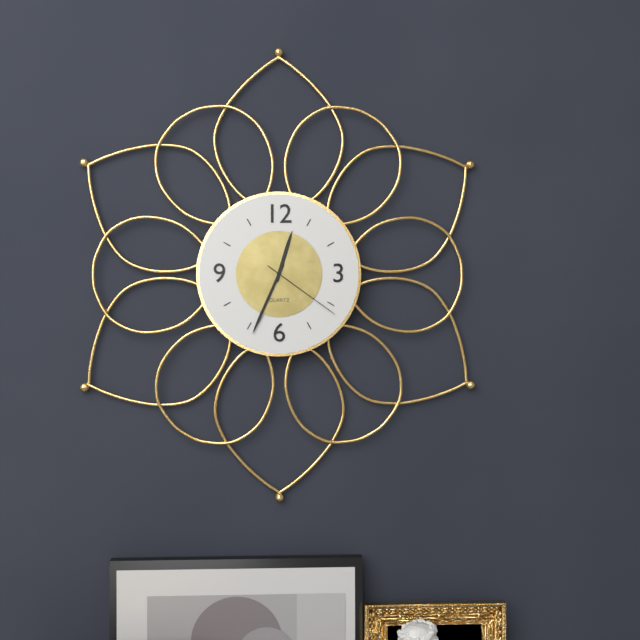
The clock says h=12 m=34 s=21
